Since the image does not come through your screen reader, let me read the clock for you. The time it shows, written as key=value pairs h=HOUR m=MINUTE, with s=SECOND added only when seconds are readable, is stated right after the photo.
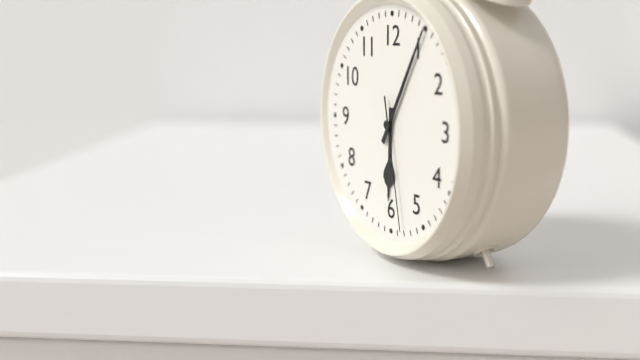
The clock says h=6 m=5 s=28
